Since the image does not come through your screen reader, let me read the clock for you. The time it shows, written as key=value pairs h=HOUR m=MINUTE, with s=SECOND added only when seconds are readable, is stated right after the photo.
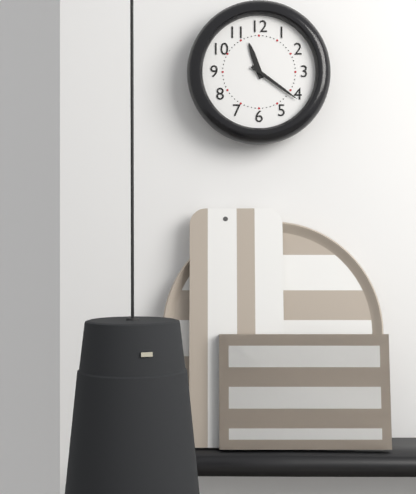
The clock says h=11 m=21
